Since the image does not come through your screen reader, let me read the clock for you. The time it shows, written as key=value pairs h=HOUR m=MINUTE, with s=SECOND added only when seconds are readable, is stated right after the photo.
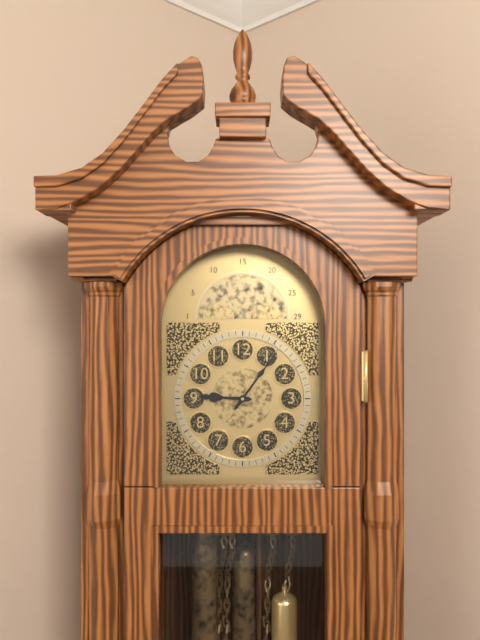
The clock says h=9 m=6
